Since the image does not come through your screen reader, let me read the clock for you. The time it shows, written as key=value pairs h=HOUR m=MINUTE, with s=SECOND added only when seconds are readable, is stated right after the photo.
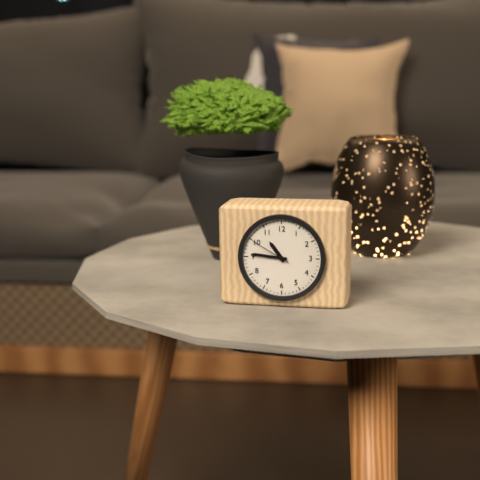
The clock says h=10 m=46
